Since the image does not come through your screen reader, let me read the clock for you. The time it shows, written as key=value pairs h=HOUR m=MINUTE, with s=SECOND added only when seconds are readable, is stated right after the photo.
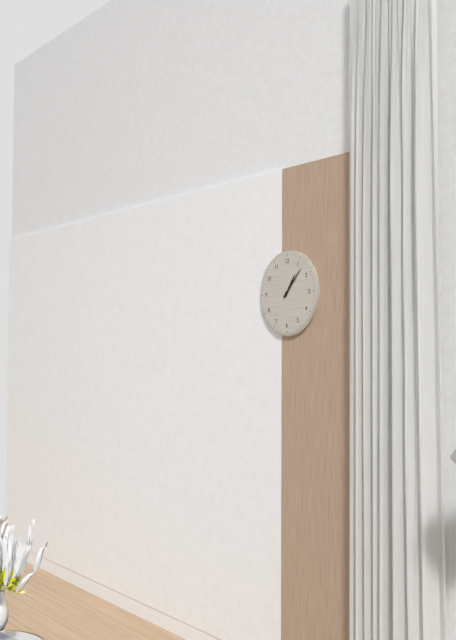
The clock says h=1 m=7
